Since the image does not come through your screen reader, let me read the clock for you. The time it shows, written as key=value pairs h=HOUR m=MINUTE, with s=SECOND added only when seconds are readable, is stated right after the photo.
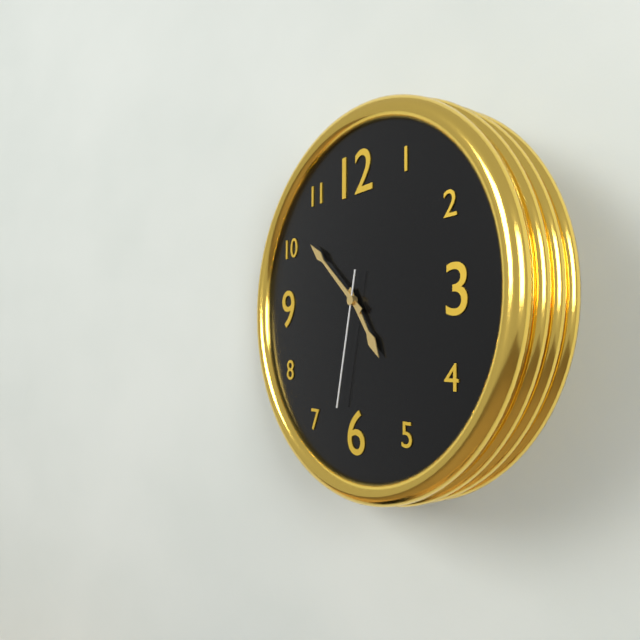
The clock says h=4 m=52 s=32
